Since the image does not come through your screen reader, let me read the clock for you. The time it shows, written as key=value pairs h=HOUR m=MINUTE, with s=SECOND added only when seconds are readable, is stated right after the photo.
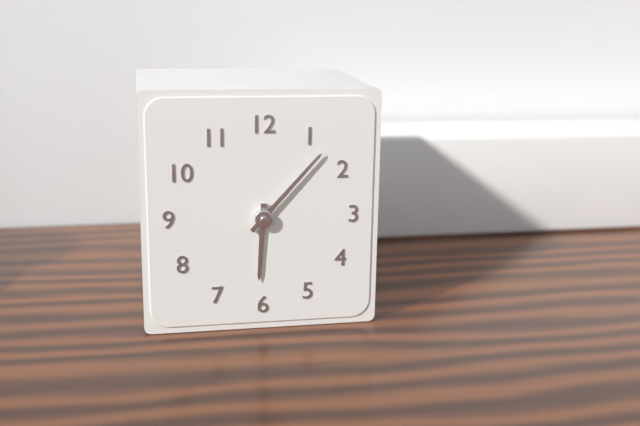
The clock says h=6 m=7
